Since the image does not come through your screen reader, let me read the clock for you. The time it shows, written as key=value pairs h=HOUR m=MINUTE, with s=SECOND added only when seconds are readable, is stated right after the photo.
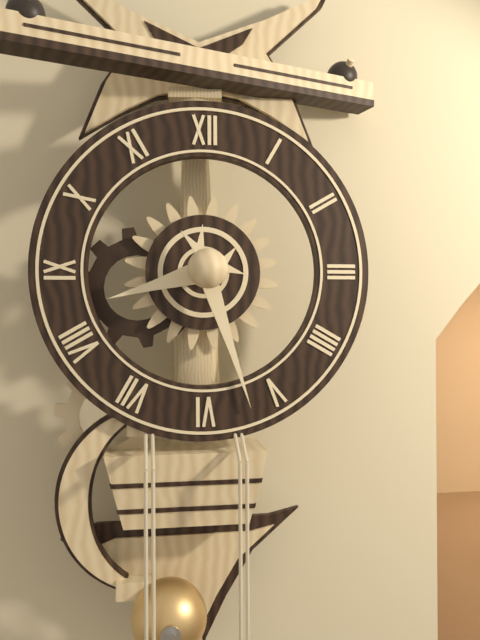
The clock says h=8 m=27
